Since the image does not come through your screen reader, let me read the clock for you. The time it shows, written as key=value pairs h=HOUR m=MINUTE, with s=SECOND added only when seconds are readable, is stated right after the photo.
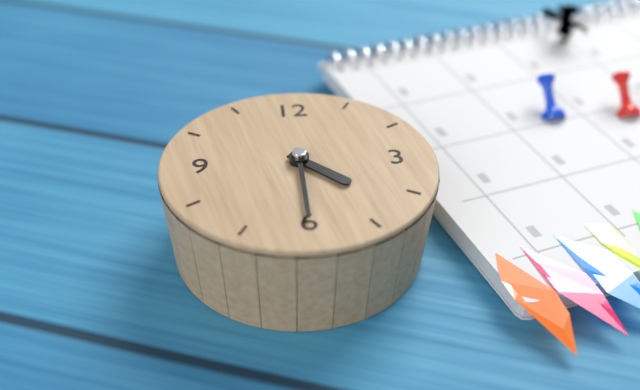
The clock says h=4 m=30
